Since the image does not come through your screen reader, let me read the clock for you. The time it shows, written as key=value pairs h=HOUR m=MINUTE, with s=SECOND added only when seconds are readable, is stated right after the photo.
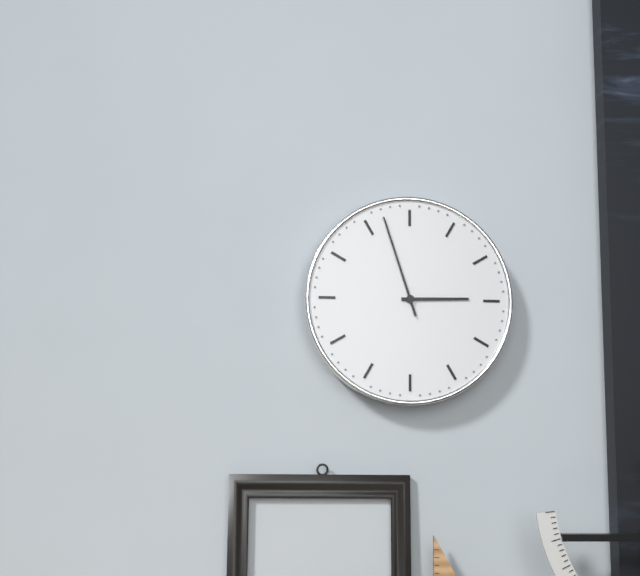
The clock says h=2 m=57
